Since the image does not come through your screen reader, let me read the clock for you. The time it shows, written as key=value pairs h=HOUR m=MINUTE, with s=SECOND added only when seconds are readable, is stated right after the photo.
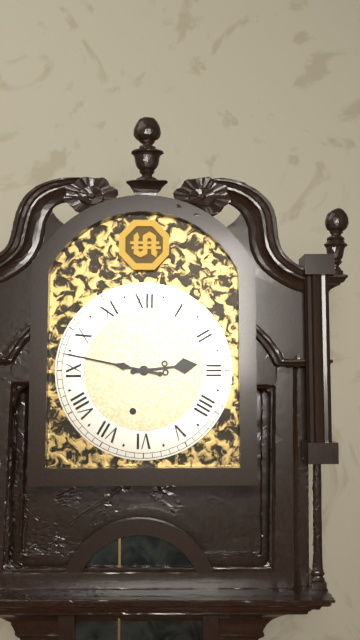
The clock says h=2 m=47
